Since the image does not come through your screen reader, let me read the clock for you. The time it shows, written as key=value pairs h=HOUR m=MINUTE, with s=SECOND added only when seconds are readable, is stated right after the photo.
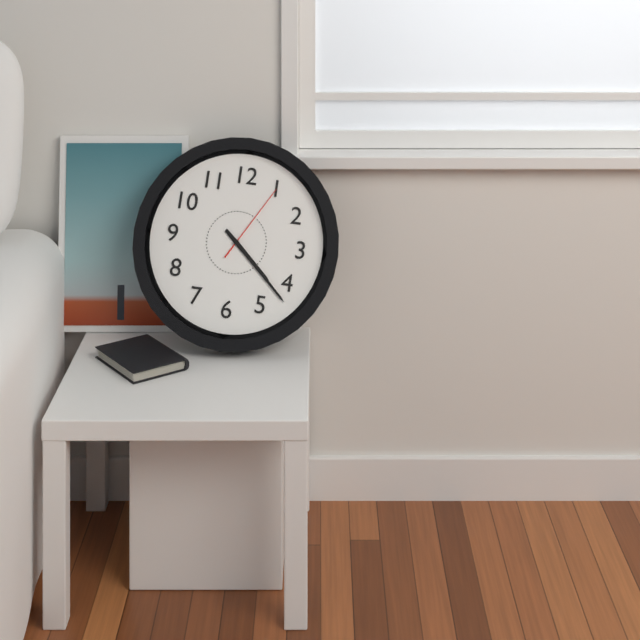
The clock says h=4 m=22 s=5
